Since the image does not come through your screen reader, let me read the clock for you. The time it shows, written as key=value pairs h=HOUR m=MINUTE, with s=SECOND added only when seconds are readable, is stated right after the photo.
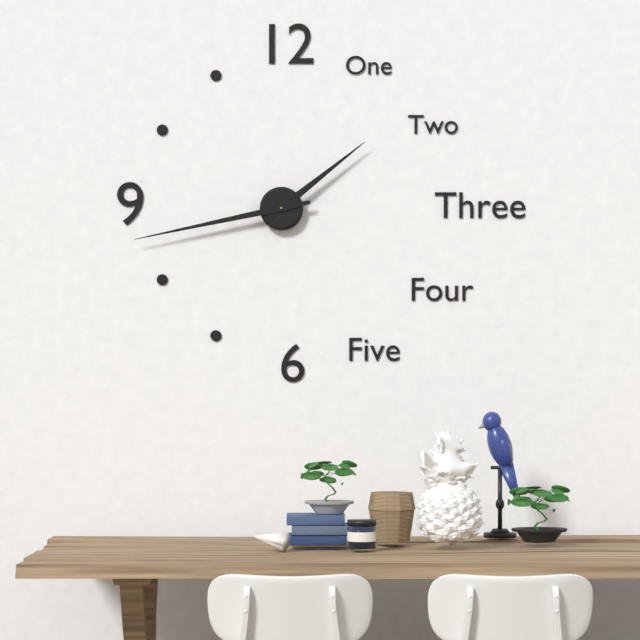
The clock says h=1 m=43
